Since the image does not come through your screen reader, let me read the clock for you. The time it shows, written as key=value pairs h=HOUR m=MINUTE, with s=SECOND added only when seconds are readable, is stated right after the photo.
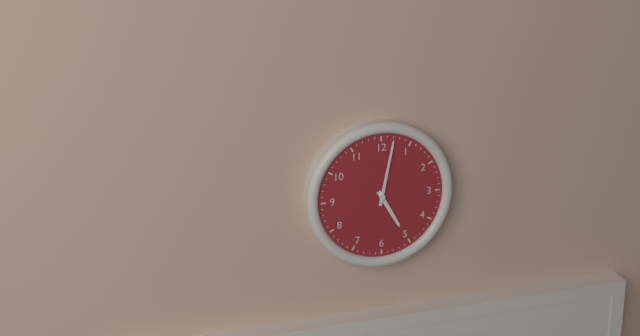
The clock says h=5 m=2
